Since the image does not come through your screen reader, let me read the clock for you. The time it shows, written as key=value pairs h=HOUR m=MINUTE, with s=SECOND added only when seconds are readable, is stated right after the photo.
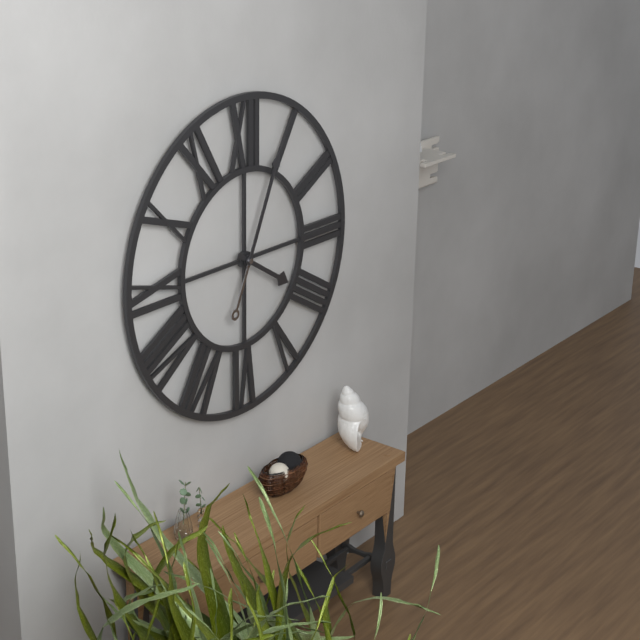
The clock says h=4 m=4
